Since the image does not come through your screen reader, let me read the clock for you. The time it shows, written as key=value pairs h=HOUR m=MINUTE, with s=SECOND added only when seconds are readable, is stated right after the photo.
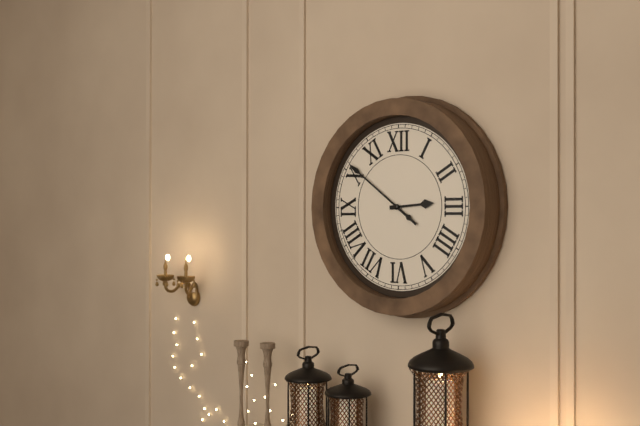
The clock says h=2 m=51
